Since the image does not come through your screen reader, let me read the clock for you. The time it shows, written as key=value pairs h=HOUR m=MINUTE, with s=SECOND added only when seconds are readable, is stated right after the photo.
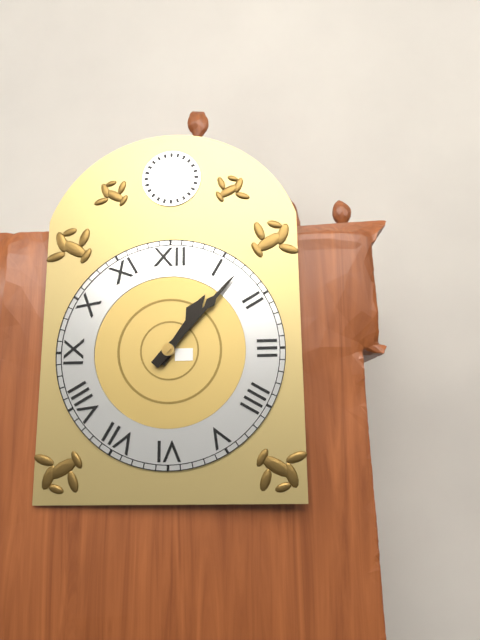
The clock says h=1 m=7
